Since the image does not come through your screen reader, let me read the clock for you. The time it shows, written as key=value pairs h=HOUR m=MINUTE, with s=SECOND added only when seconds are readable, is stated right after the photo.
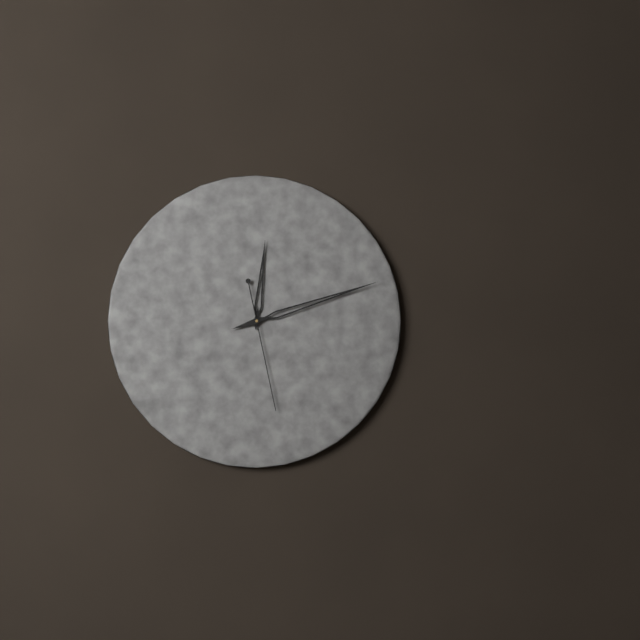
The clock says h=12 m=12 s=28
